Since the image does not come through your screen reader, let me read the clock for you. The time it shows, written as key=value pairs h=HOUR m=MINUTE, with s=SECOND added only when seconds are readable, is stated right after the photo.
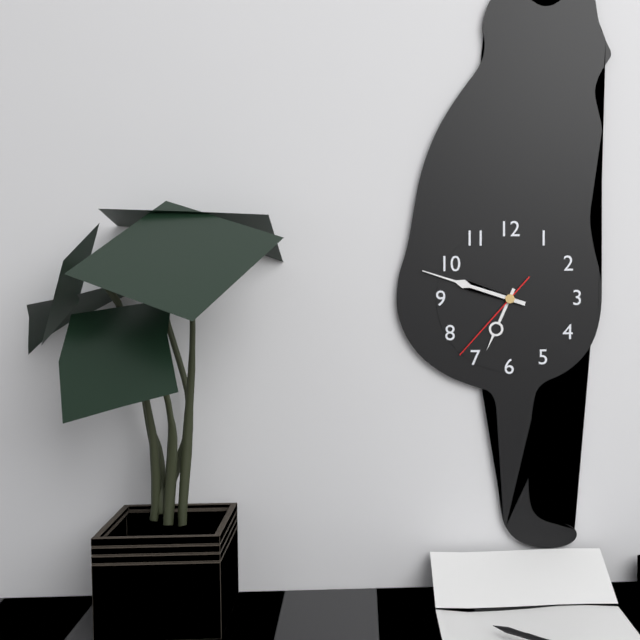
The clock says h=6 m=48 s=37
